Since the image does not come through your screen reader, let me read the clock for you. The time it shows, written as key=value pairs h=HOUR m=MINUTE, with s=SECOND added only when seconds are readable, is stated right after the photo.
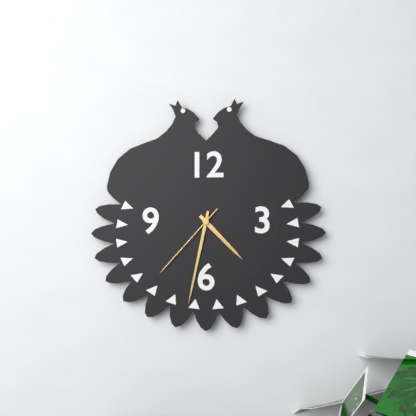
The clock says h=4 m=32 s=37
